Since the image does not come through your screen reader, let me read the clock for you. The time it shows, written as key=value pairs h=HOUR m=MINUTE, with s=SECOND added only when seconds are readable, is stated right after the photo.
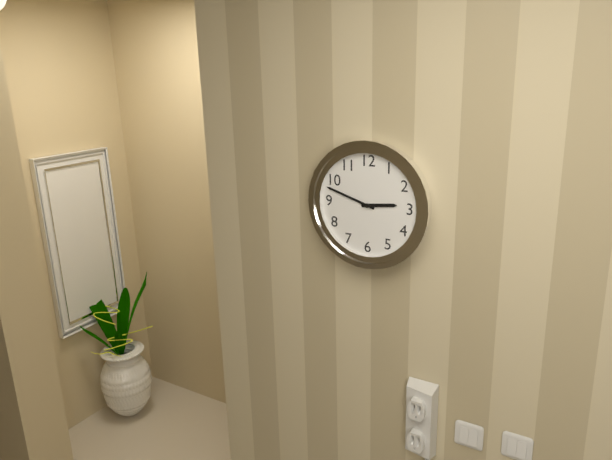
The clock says h=2 m=48
